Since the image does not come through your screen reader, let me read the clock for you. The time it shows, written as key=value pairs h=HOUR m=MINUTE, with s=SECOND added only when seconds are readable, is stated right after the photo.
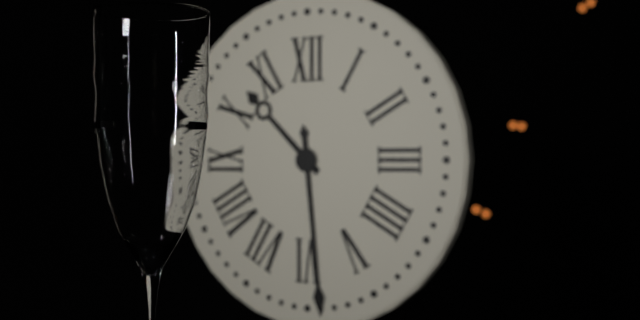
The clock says h=10 m=29
